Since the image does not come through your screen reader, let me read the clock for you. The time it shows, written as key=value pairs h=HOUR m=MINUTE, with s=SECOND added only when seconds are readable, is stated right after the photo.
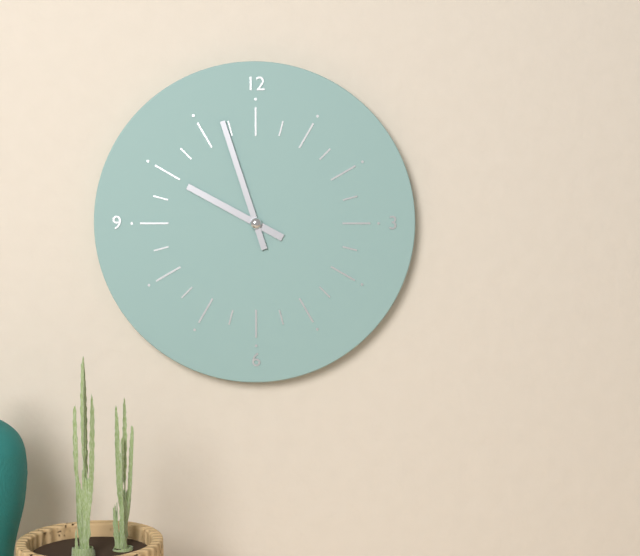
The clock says h=9 m=57
